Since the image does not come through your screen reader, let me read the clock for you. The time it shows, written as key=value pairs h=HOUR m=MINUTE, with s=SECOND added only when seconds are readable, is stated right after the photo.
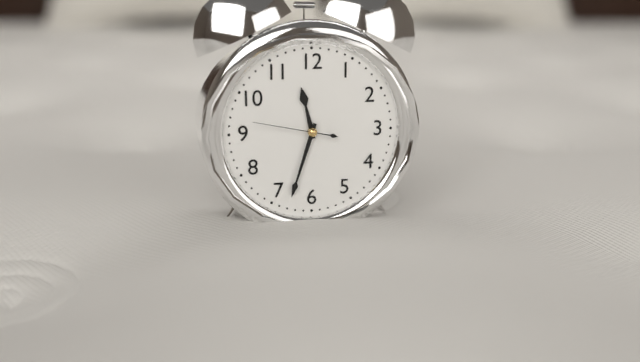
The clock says h=11 m=33 s=47
